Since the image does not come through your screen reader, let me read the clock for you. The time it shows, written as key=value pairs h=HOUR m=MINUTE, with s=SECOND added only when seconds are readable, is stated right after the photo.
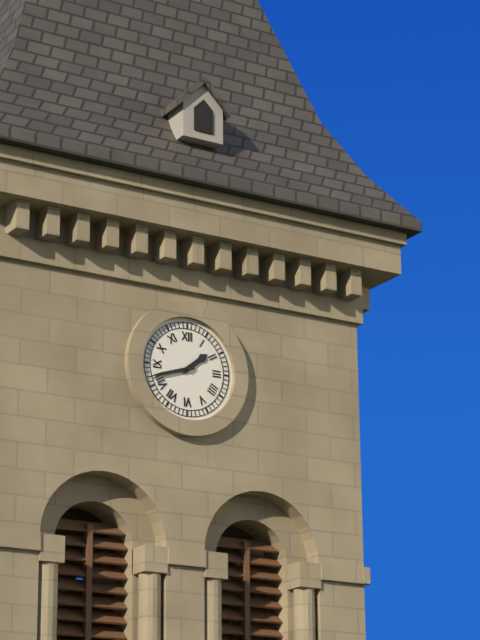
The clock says h=1 m=42
